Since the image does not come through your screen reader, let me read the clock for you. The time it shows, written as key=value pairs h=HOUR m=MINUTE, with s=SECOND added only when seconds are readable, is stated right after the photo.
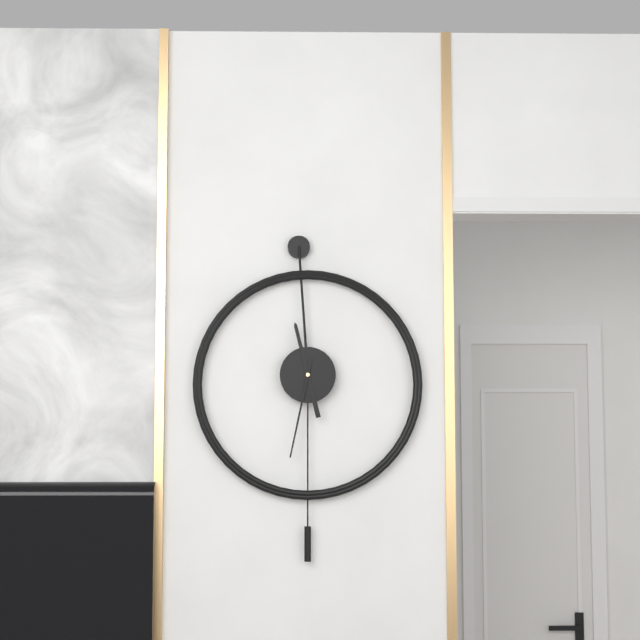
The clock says h=11 m=32
